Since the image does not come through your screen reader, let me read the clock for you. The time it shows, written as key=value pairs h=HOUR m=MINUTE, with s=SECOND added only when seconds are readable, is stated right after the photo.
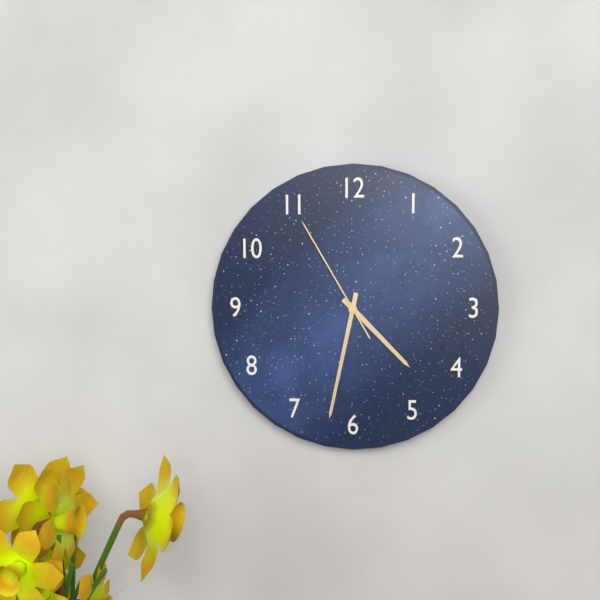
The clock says h=4 m=32 s=55
